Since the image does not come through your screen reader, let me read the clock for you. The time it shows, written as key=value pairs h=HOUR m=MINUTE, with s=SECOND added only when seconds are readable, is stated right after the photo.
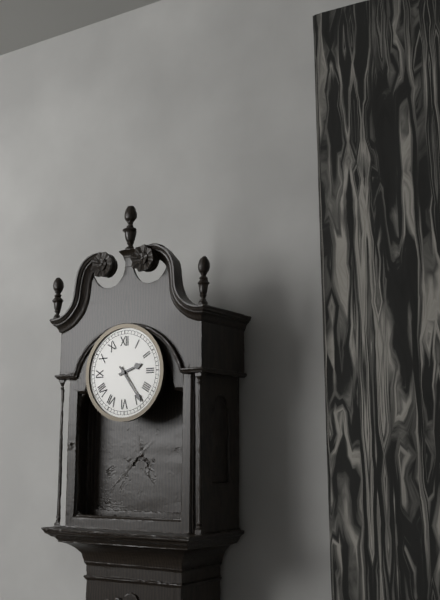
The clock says h=2 m=24
